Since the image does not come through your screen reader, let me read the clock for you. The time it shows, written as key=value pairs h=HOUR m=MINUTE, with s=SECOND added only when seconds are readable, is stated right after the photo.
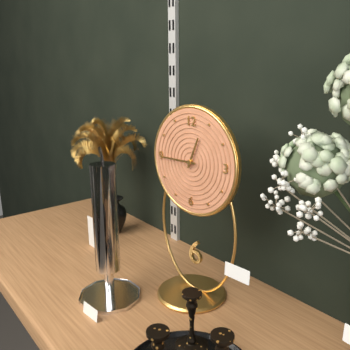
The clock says h=12 m=45
